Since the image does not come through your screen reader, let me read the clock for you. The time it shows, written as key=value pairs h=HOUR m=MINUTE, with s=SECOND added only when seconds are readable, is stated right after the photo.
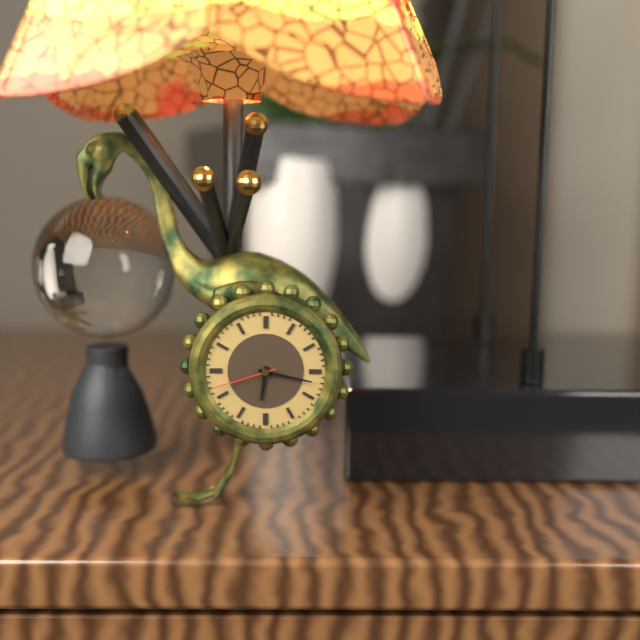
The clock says h=6 m=17 s=42
